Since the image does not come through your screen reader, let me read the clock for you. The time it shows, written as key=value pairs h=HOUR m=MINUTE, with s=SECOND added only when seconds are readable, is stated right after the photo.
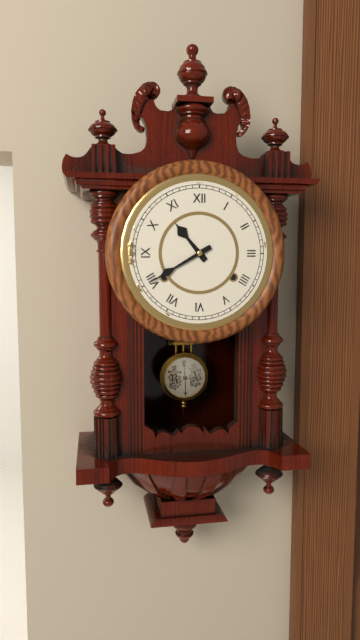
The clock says h=10 m=40
